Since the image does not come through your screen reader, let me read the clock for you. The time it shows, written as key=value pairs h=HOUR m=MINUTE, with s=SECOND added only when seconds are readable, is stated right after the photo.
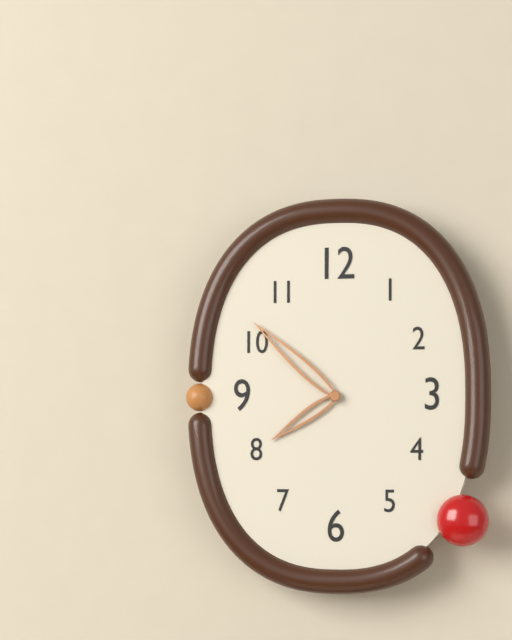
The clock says h=7 m=52
